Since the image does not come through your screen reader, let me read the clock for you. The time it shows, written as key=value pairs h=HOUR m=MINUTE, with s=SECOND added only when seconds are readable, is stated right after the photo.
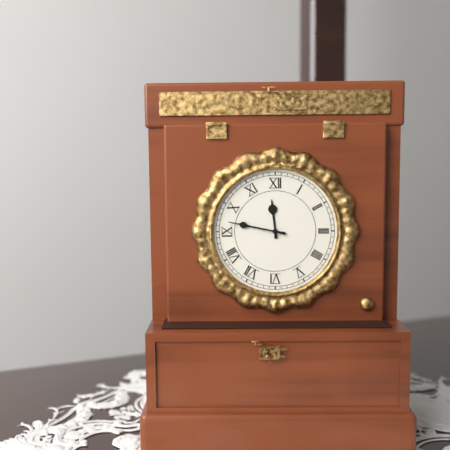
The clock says h=11 m=47
